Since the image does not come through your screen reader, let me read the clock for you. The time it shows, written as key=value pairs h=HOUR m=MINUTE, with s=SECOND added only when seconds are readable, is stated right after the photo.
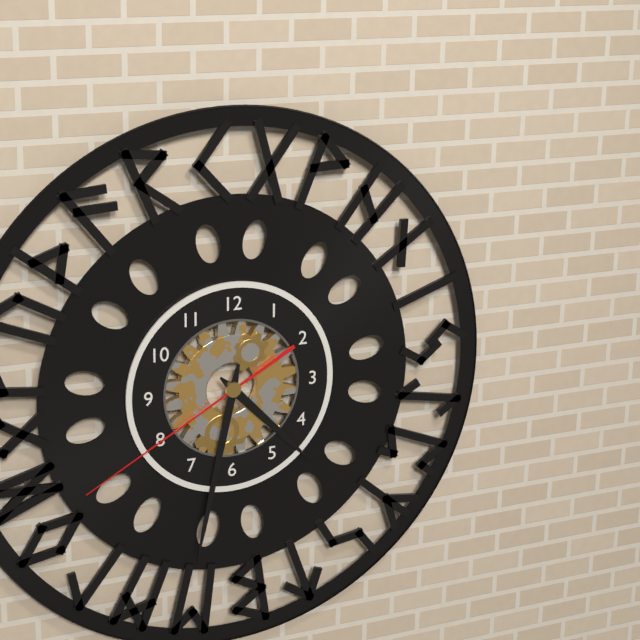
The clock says h=4 m=32 s=40
